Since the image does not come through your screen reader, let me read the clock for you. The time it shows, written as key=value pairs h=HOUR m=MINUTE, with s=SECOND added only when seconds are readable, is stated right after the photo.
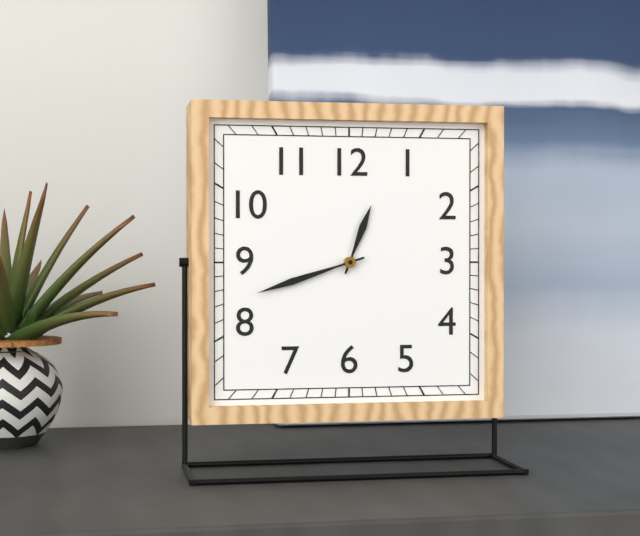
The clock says h=12 m=42
